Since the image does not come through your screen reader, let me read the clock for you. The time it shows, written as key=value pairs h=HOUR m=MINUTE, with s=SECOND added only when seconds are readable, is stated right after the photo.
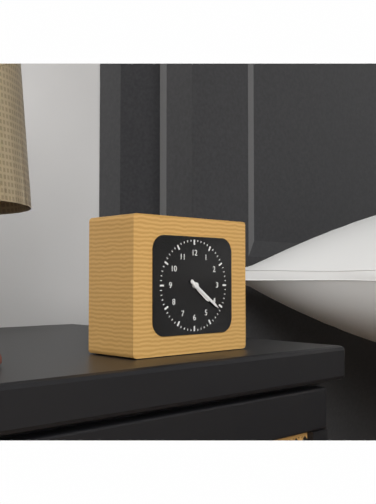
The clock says h=4 m=21
